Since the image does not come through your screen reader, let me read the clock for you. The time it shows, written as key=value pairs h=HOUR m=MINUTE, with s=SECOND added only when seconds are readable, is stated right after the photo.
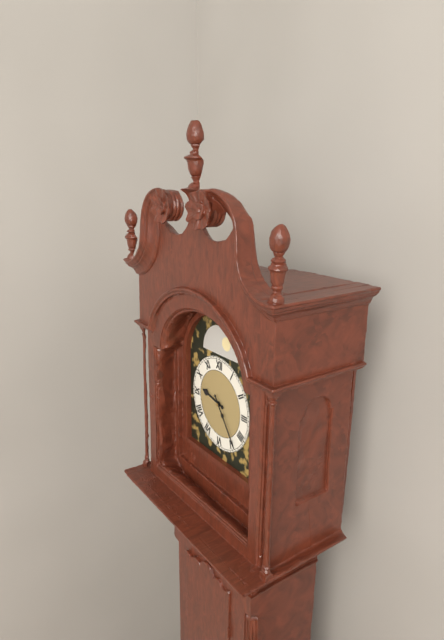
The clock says h=9 m=24
